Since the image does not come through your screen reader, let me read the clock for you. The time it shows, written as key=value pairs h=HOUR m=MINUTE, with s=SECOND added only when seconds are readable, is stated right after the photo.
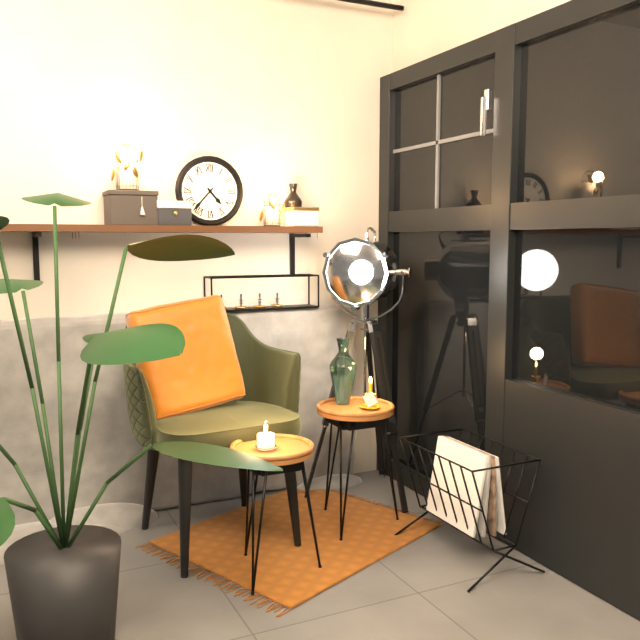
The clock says h=4 m=37
